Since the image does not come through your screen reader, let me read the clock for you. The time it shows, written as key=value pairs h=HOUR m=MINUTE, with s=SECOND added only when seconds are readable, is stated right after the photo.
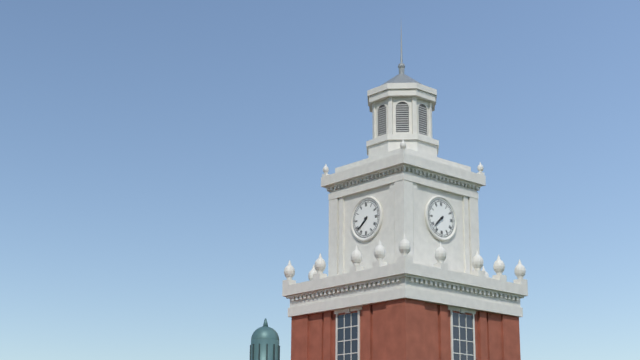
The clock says h=7 m=38
